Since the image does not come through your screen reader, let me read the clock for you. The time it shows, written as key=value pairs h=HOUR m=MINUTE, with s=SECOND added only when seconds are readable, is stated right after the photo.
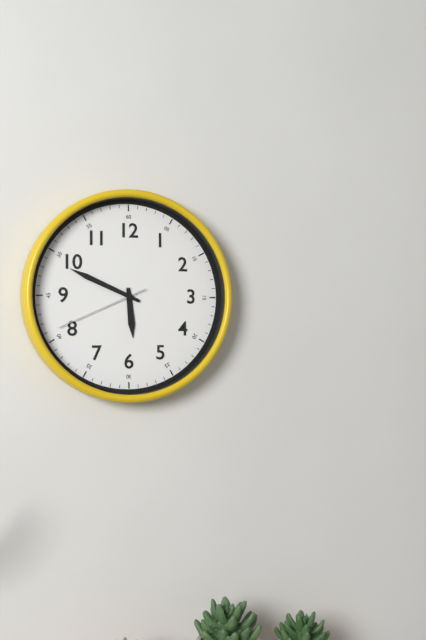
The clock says h=5 m=49 s=41
